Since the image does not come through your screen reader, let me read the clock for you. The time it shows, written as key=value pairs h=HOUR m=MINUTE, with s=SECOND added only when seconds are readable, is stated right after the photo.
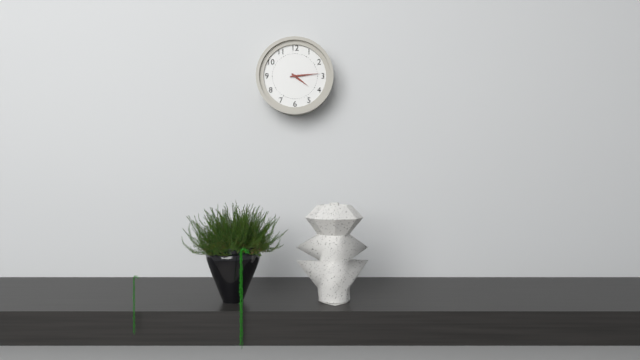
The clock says h=4 m=14
